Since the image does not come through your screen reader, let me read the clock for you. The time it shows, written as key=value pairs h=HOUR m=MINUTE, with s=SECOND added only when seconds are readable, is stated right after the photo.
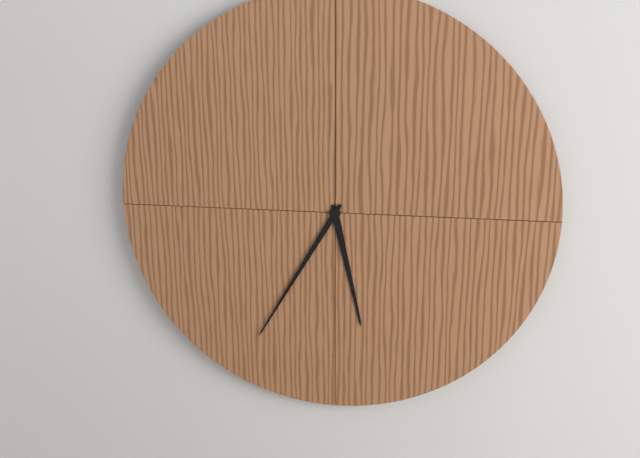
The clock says h=5 m=35
